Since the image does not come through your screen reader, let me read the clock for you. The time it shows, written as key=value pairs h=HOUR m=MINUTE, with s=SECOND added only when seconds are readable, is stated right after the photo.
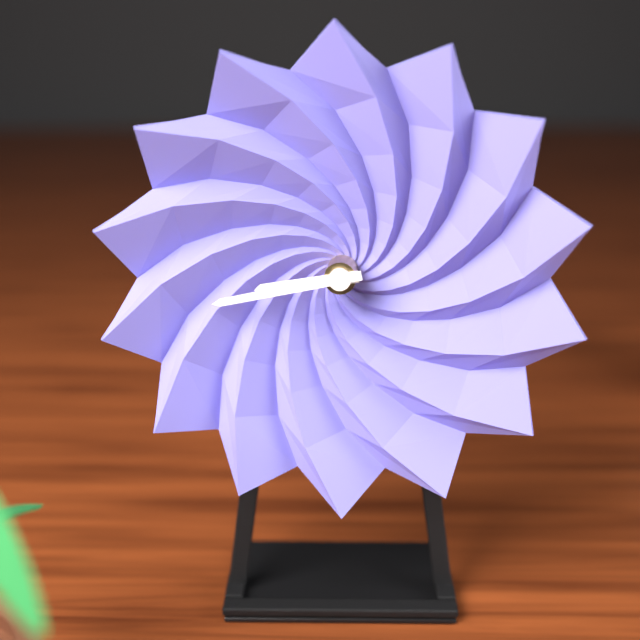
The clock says h=8 m=43
